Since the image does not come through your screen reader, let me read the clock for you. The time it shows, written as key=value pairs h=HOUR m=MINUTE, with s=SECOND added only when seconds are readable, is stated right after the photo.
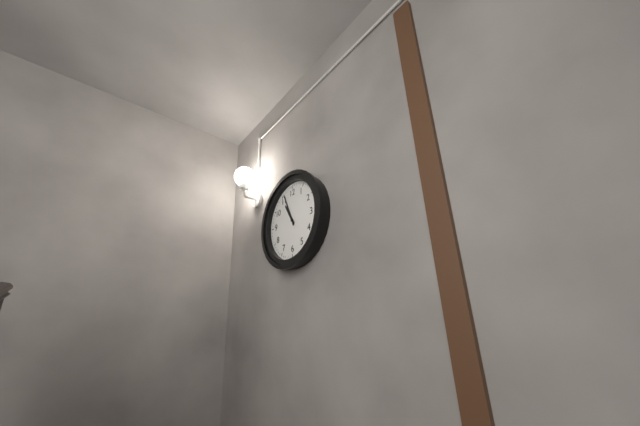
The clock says h=10 m=56
